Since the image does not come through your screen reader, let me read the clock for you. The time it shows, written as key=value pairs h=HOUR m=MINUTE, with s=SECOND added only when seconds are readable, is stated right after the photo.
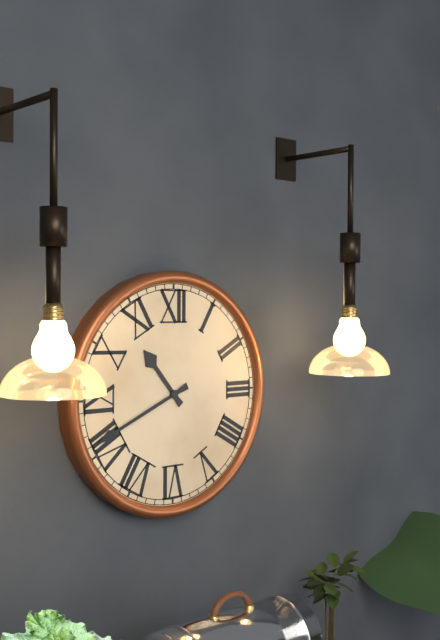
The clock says h=10 m=41
